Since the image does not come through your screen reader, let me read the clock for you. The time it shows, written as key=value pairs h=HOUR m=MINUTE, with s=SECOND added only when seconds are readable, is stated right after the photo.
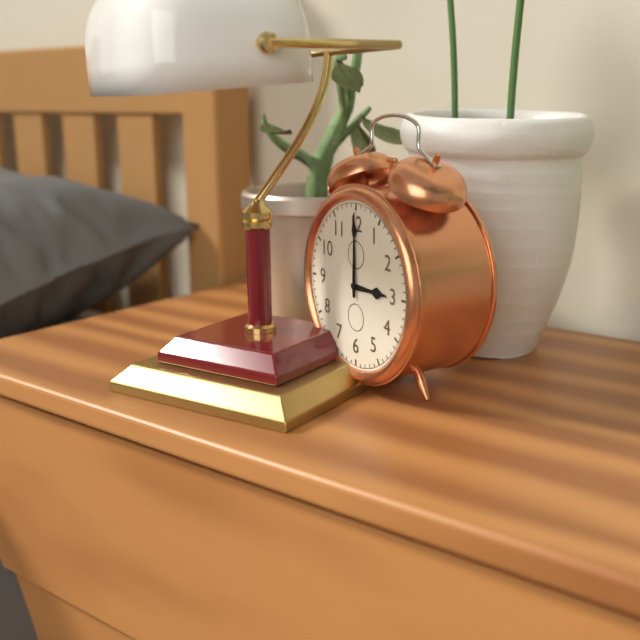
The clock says h=3 m=0
